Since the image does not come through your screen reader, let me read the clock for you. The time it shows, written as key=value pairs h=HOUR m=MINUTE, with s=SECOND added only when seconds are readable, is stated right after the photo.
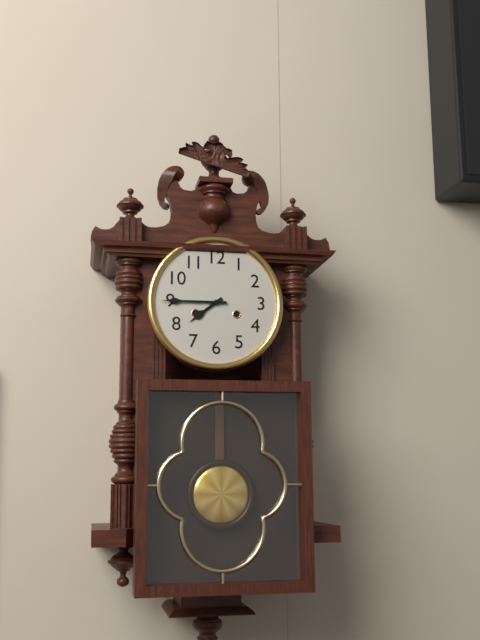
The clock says h=7 m=45
